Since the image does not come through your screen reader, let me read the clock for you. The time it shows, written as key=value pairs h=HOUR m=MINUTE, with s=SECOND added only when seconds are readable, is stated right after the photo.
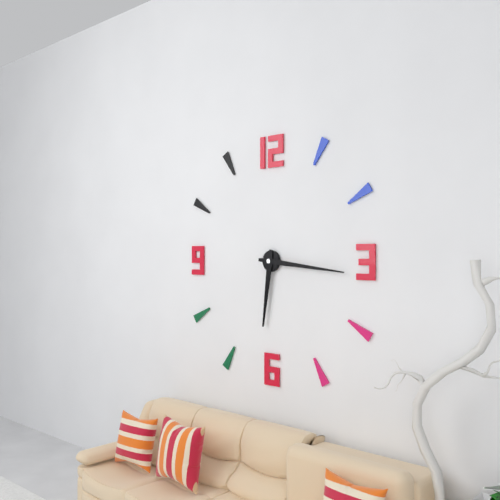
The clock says h=6 m=16
